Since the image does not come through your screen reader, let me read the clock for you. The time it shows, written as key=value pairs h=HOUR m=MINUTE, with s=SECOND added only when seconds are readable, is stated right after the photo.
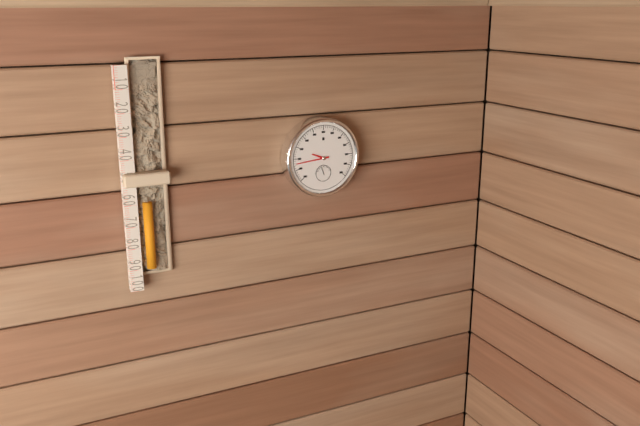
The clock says h=9 m=44
